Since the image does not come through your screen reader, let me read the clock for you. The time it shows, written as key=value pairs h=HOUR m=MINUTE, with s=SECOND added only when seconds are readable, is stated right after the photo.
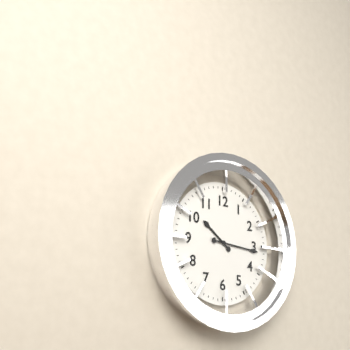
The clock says h=10 m=16
